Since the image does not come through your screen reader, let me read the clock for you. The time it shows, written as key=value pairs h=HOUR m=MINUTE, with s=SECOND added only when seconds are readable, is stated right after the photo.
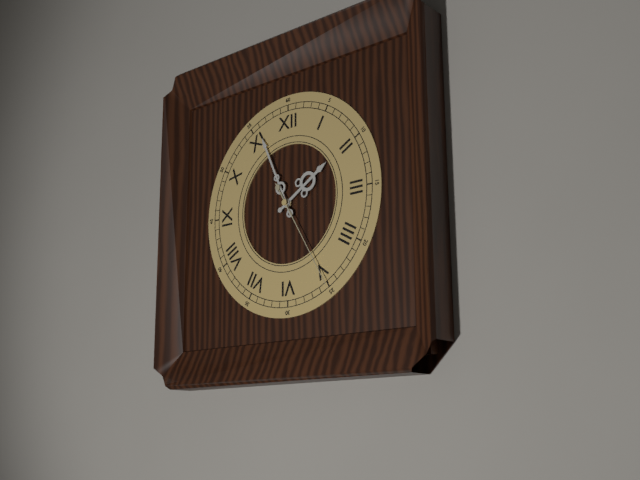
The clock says h=1 m=56 s=25
